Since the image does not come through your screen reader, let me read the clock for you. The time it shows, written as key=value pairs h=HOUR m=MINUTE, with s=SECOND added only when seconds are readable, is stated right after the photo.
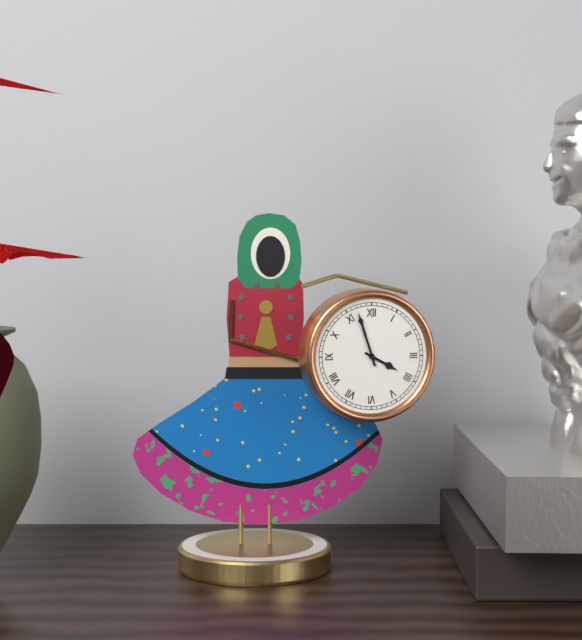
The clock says h=3 m=57
